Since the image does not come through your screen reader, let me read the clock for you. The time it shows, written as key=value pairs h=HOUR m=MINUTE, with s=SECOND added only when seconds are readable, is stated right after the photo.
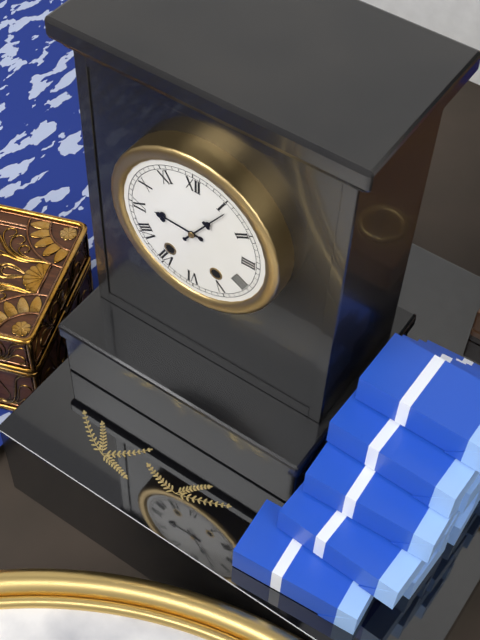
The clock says h=9 m=6
